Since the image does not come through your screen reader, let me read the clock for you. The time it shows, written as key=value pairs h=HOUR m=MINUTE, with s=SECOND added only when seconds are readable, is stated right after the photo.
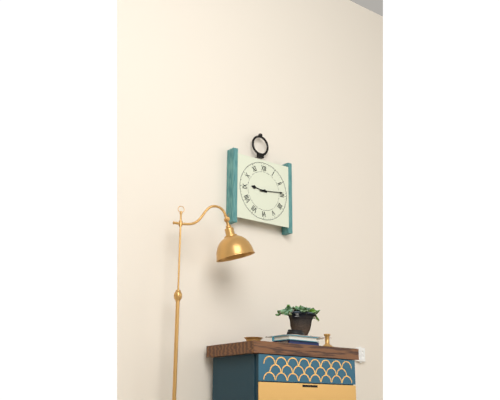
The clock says h=9 m=14
